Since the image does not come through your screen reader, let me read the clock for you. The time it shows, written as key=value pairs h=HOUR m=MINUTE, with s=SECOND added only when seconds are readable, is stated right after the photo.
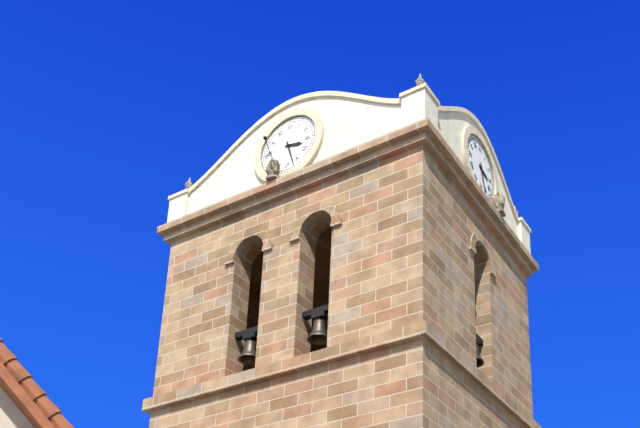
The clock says h=3 m=27
